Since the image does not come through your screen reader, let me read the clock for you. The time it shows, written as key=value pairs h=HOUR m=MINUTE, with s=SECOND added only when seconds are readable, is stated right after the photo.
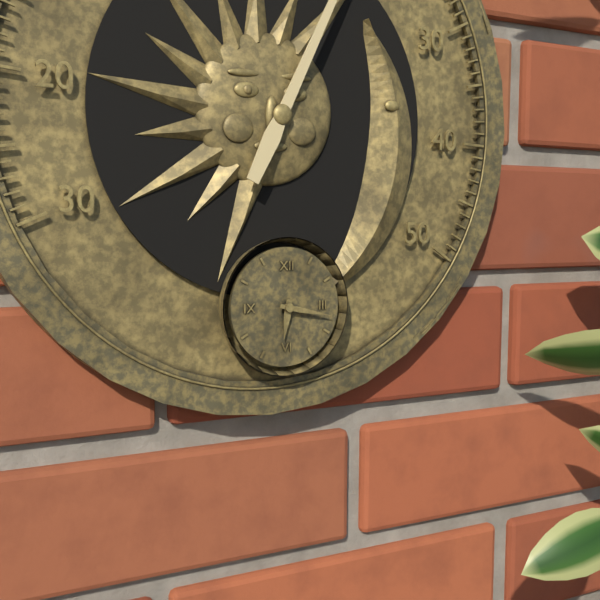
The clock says h=6 m=17
